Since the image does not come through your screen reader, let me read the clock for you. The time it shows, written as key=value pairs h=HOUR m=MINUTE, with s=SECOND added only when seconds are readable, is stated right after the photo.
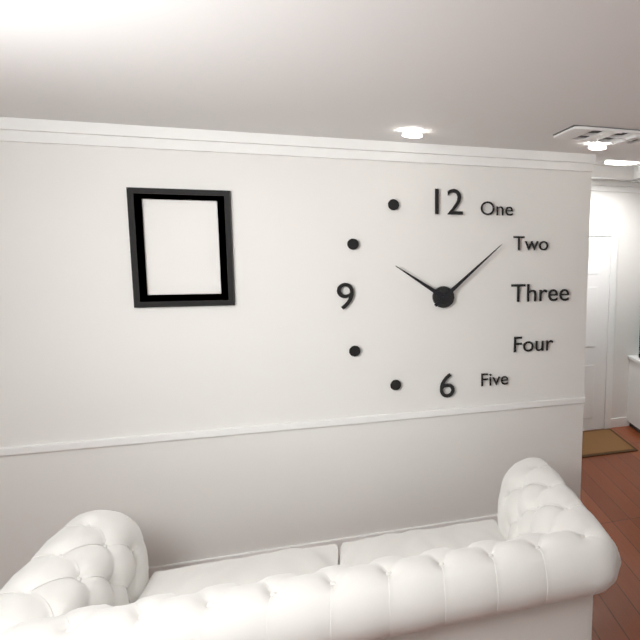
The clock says h=10 m=8
